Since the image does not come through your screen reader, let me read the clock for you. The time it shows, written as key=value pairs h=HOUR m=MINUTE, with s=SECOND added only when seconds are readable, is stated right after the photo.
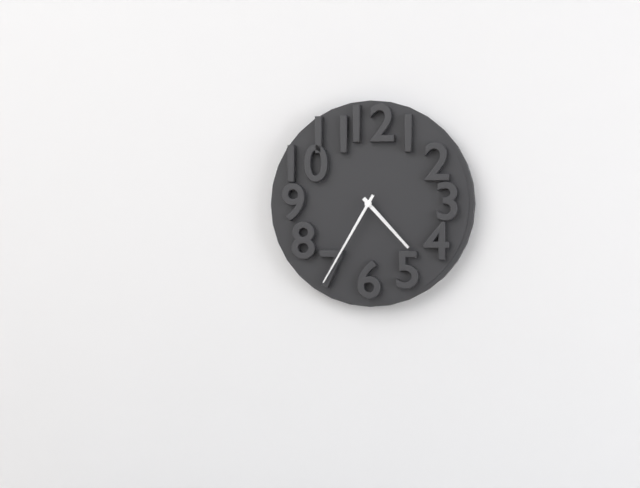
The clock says h=4 m=35
